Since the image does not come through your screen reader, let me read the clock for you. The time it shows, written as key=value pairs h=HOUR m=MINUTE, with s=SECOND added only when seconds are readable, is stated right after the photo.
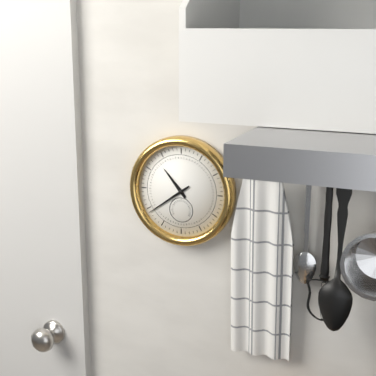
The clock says h=10 m=39
